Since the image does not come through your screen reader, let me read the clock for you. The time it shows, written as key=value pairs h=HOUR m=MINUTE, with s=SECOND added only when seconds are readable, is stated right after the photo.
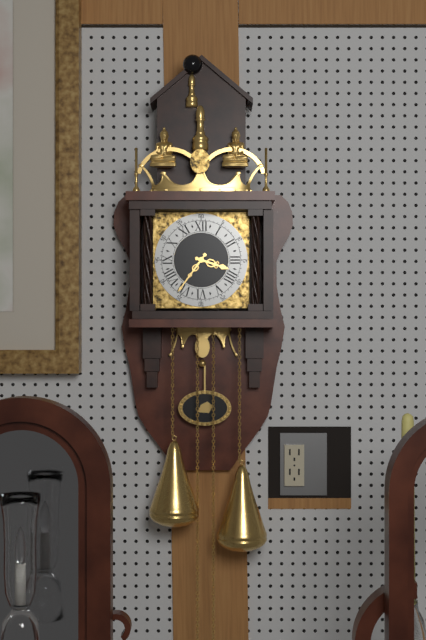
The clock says h=3 m=36
